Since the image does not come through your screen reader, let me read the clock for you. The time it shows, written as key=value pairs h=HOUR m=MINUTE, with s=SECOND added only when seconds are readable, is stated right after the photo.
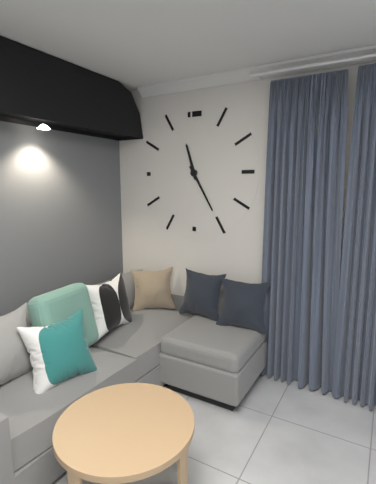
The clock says h=11 m=25
